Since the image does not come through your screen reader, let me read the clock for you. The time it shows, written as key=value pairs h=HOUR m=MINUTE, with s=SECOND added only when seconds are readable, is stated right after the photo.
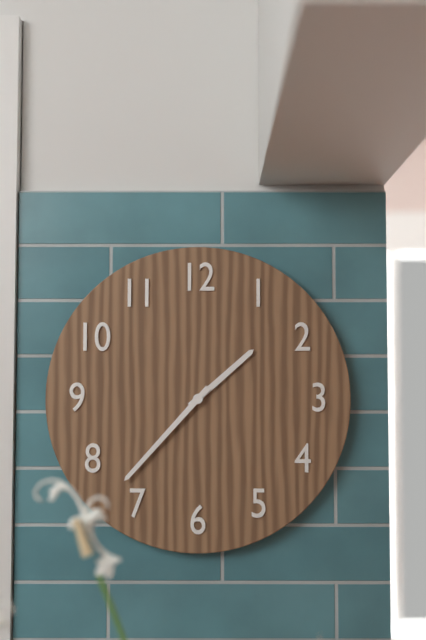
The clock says h=1 m=37
